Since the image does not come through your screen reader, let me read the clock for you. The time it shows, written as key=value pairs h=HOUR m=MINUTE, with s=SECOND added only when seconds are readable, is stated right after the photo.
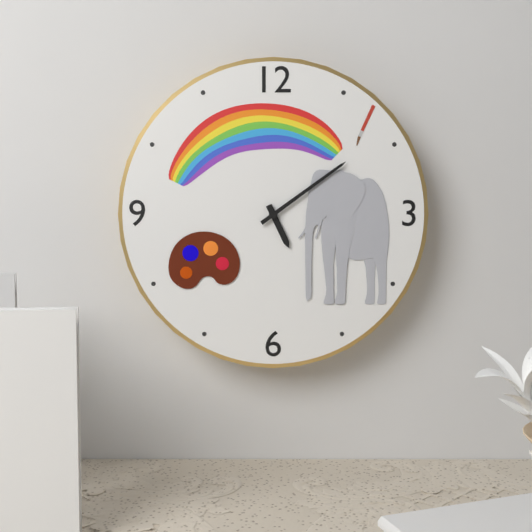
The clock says h=5 m=9
